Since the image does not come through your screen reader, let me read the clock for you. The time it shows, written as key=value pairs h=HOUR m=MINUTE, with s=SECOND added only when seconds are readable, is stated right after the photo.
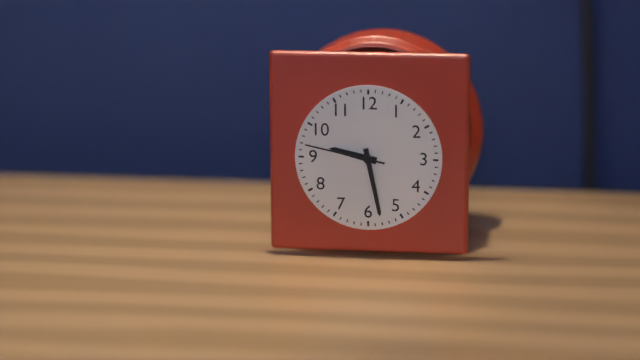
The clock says h=9 m=28 s=47
